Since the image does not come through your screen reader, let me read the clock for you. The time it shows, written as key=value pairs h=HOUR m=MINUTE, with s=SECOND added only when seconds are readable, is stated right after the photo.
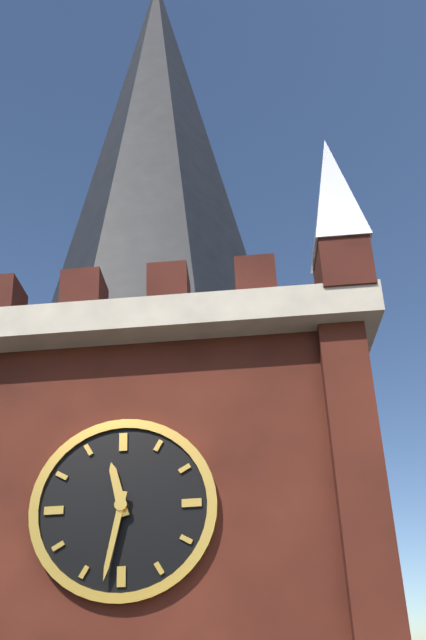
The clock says h=11 m=32
